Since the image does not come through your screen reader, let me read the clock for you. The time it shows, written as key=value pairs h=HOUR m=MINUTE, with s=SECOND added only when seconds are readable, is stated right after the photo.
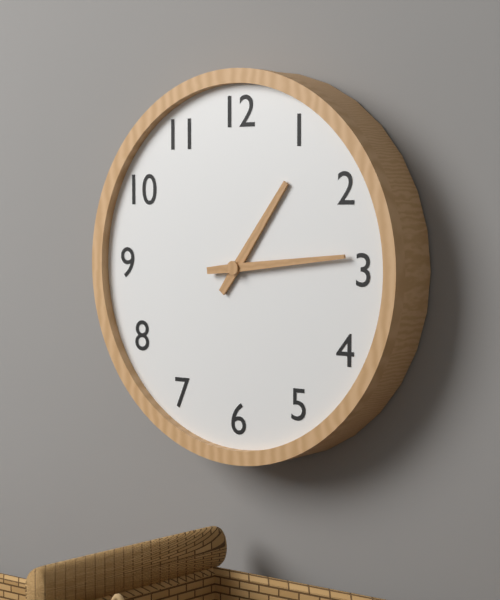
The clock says h=1 m=14
